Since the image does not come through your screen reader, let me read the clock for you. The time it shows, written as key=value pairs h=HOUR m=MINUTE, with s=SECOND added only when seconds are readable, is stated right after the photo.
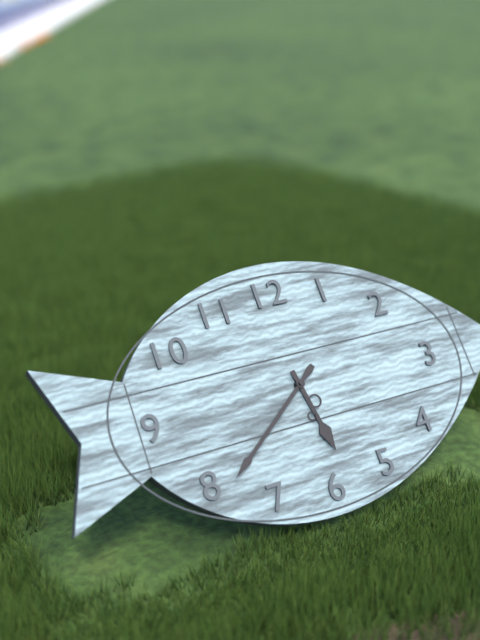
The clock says h=5 m=39
